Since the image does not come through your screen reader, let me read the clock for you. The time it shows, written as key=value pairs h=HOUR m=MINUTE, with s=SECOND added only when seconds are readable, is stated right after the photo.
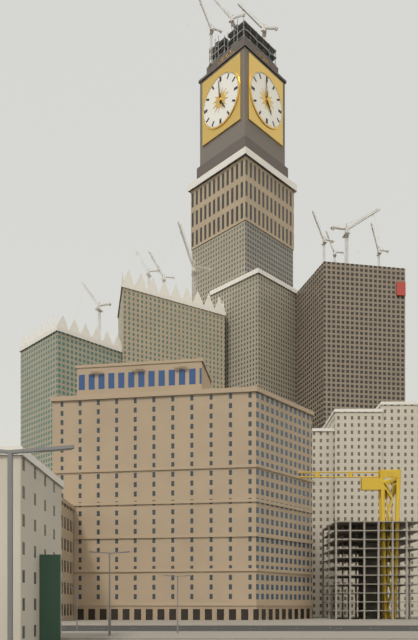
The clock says h=4 m=59
